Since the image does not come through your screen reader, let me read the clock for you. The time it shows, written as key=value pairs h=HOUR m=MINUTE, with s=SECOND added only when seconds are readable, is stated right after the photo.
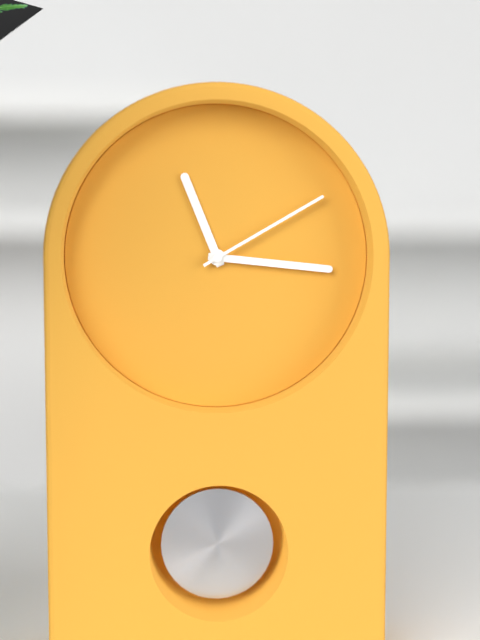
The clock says h=11 m=16 s=10
